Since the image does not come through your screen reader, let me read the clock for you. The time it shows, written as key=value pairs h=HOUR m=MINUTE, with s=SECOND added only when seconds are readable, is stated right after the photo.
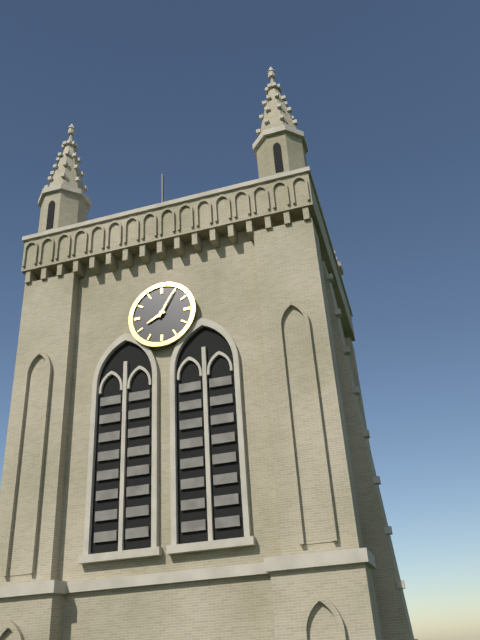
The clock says h=8 m=5
